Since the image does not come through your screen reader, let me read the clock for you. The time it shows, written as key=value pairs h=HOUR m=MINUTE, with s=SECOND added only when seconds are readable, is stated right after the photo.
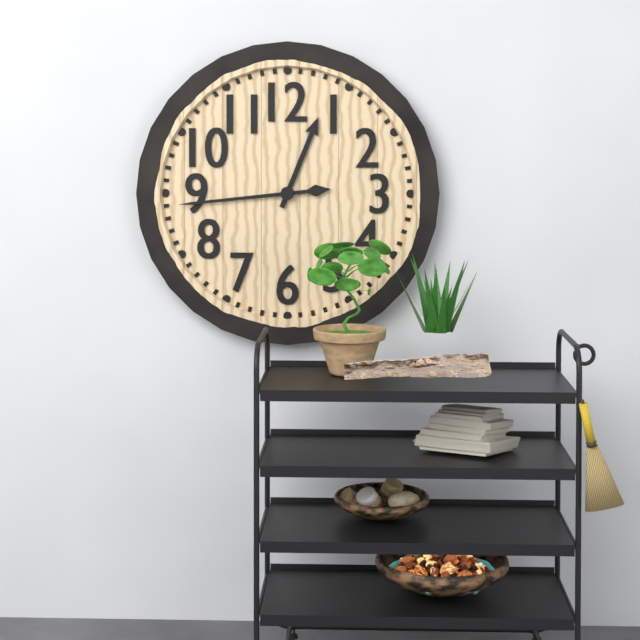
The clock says h=12 m=44
